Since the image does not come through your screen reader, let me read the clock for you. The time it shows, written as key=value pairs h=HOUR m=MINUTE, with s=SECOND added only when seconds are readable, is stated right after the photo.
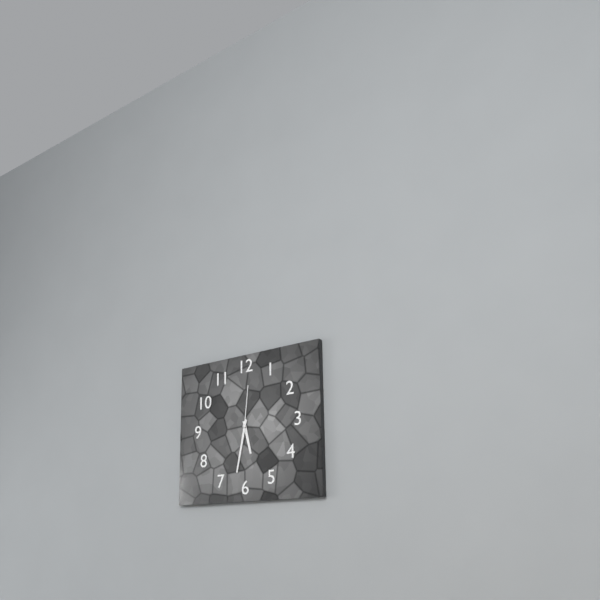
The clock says h=5 m=32 s=1
